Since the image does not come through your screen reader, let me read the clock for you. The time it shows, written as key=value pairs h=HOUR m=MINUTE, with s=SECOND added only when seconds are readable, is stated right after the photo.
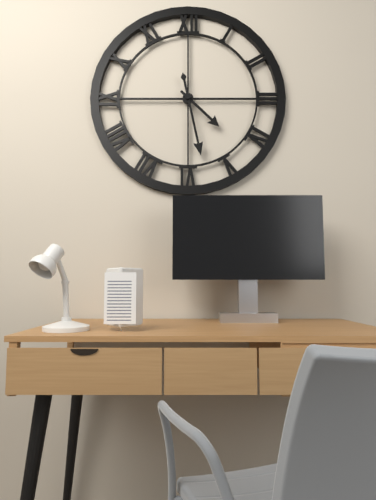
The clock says h=4 m=28
